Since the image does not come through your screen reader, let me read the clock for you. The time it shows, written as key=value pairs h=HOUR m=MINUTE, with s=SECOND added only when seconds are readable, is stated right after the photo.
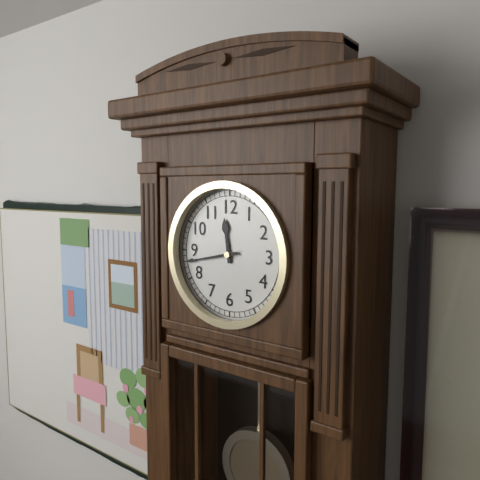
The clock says h=11 m=43
